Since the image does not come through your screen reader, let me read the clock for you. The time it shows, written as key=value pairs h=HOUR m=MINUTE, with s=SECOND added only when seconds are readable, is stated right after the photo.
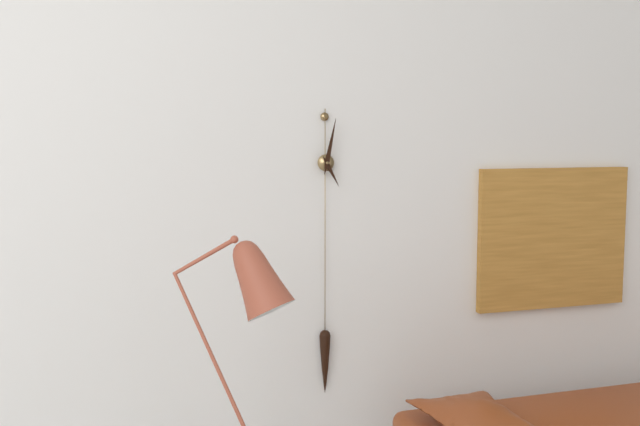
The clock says h=5 m=2
